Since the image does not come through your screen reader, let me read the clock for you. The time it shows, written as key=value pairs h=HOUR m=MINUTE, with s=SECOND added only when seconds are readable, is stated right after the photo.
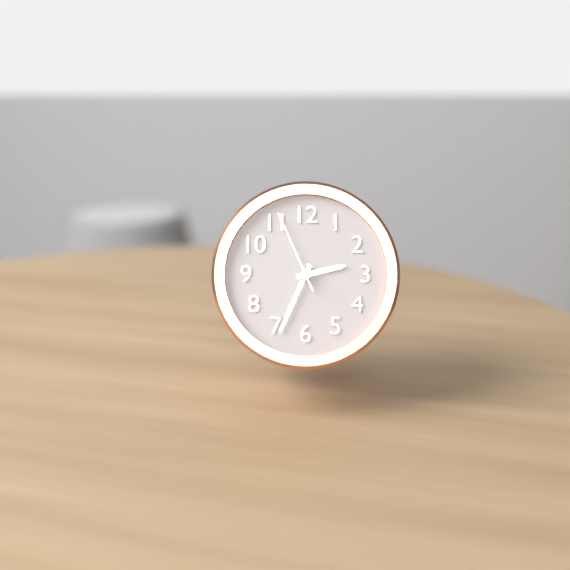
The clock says h=2 m=34 s=56
